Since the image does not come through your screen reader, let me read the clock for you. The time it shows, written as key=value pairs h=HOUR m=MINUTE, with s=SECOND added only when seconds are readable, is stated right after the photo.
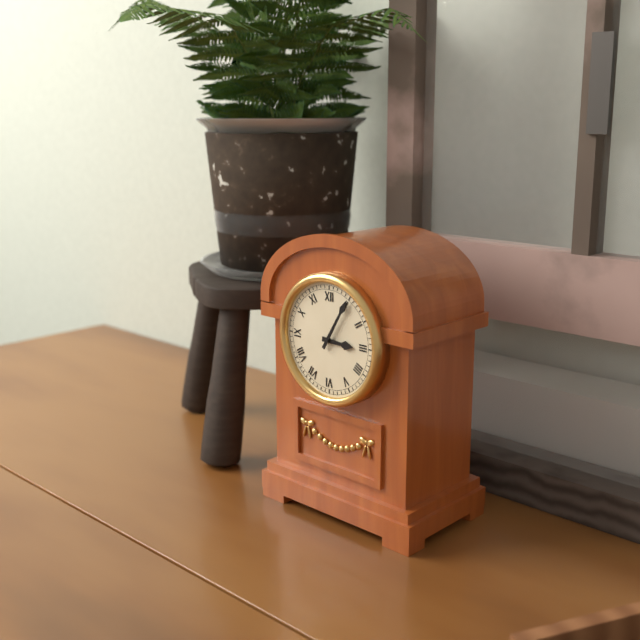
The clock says h=3 m=5
